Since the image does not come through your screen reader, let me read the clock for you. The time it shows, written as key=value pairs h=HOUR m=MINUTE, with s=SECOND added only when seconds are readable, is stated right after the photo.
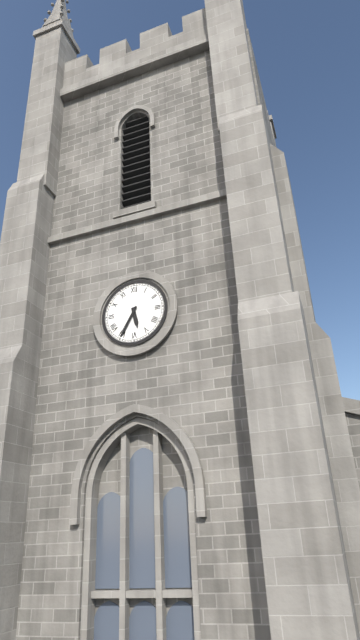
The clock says h=5 m=35
